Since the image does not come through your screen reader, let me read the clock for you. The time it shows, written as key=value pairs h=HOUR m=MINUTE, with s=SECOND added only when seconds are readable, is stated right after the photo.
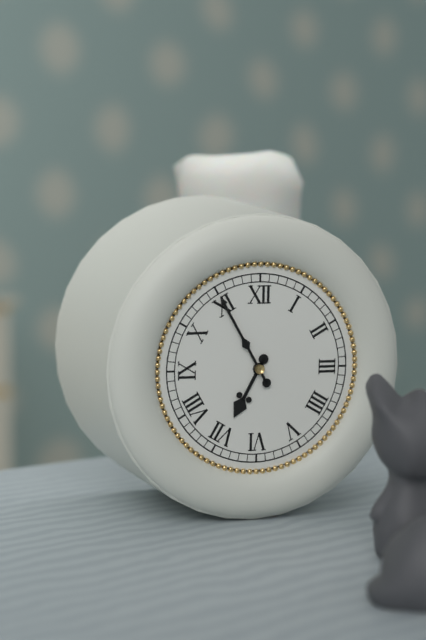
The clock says h=6 m=55
